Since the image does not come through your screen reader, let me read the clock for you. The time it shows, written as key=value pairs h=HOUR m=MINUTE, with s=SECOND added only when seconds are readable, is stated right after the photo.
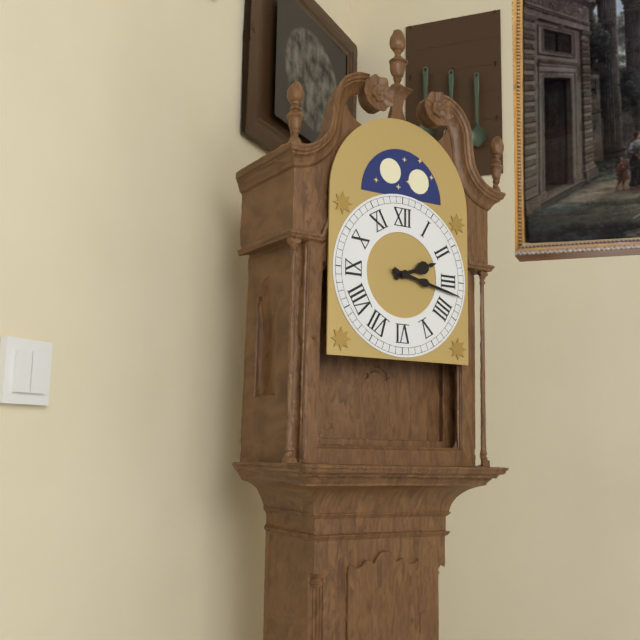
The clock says h=2 m=17
